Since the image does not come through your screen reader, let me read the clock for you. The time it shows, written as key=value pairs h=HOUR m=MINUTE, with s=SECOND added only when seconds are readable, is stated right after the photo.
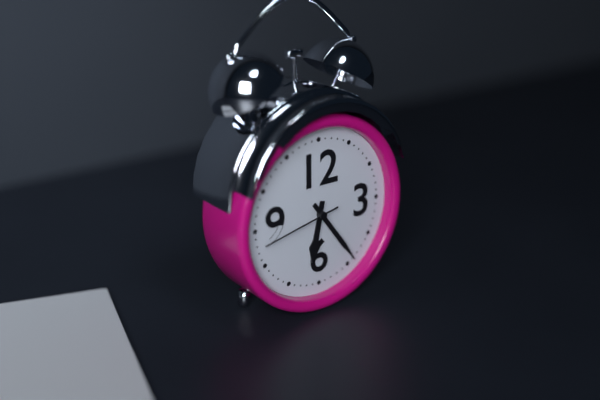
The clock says h=6 m=24 s=43
